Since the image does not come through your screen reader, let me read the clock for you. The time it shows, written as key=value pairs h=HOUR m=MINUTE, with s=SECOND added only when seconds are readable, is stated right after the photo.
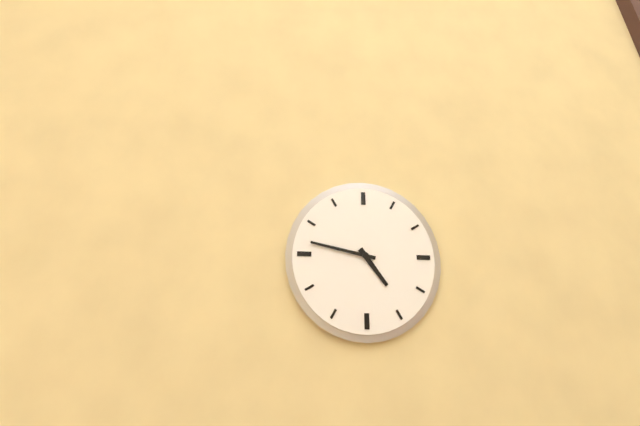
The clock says h=4 m=47
